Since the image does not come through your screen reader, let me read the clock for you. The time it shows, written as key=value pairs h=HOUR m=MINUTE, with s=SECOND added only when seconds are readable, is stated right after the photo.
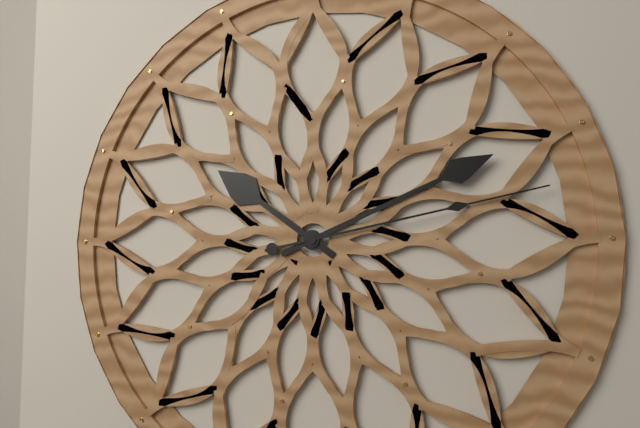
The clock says h=10 m=11 s=13
